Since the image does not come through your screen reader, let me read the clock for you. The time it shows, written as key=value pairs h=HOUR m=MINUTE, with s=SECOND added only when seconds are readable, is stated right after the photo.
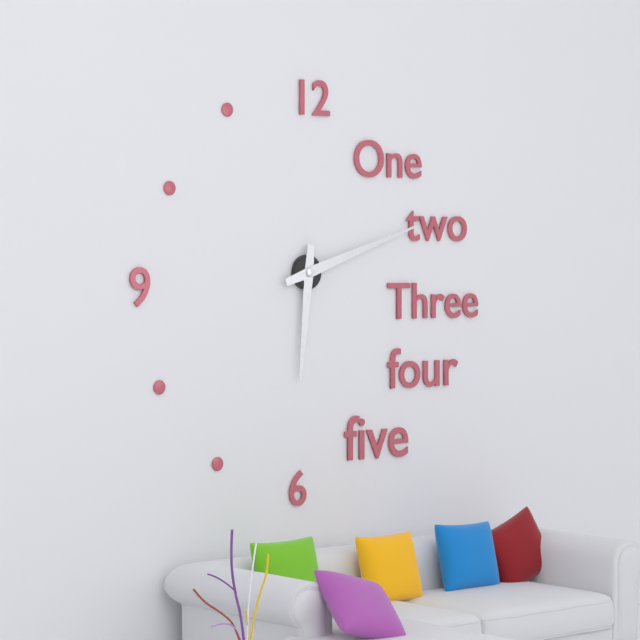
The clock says h=6 m=12
